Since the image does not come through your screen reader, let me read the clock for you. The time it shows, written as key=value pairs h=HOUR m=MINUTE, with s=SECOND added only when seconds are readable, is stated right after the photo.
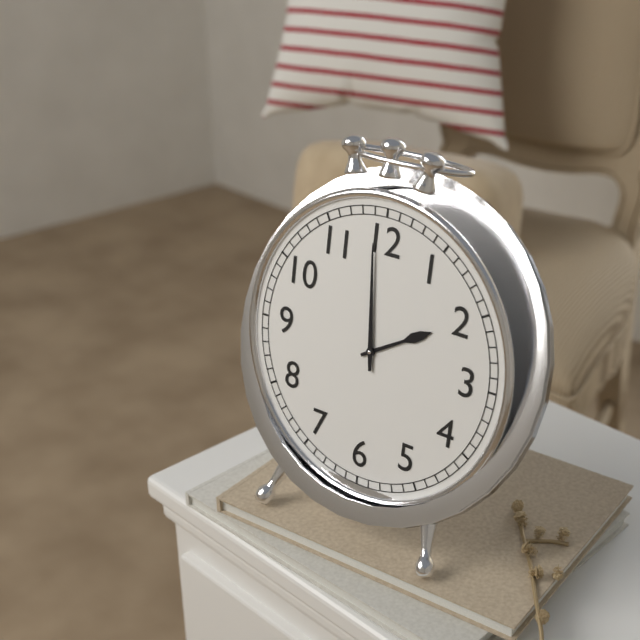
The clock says h=1 m=59
